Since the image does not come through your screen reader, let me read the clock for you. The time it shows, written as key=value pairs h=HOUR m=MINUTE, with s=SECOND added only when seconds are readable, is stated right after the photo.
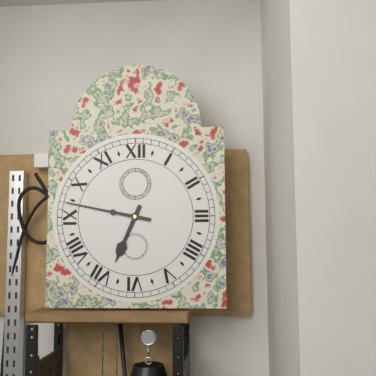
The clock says h=6 m=47
